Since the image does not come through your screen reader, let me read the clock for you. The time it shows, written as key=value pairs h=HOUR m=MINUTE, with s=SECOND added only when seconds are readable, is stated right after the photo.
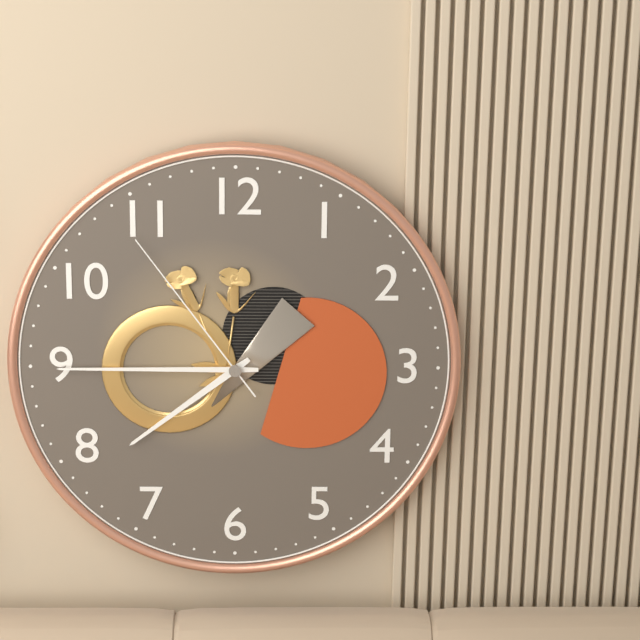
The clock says h=7 m=45 s=54
